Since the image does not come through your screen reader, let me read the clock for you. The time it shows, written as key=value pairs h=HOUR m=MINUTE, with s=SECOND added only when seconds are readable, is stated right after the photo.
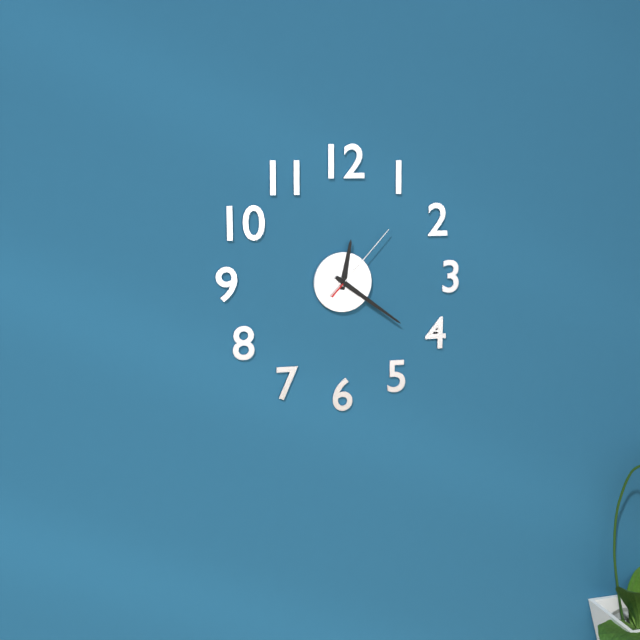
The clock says h=12 m=21 s=7
